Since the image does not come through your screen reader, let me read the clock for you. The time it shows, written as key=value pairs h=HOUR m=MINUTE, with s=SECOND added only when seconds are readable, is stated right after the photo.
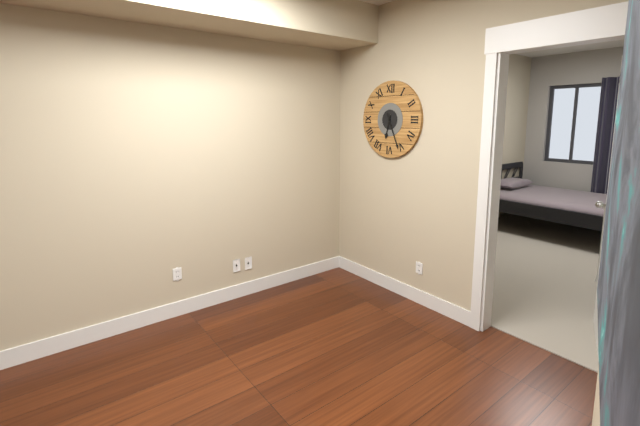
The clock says h=6 m=26
